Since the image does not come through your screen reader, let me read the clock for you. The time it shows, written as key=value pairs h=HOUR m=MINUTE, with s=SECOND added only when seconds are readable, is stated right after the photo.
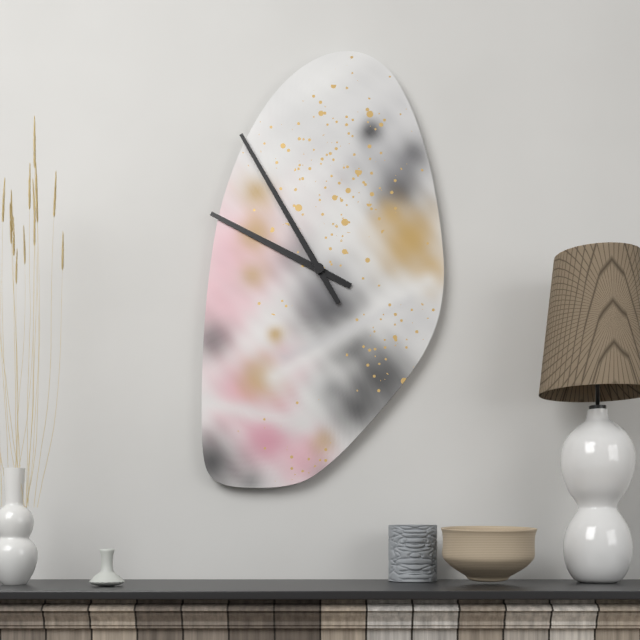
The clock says h=9 m=55
